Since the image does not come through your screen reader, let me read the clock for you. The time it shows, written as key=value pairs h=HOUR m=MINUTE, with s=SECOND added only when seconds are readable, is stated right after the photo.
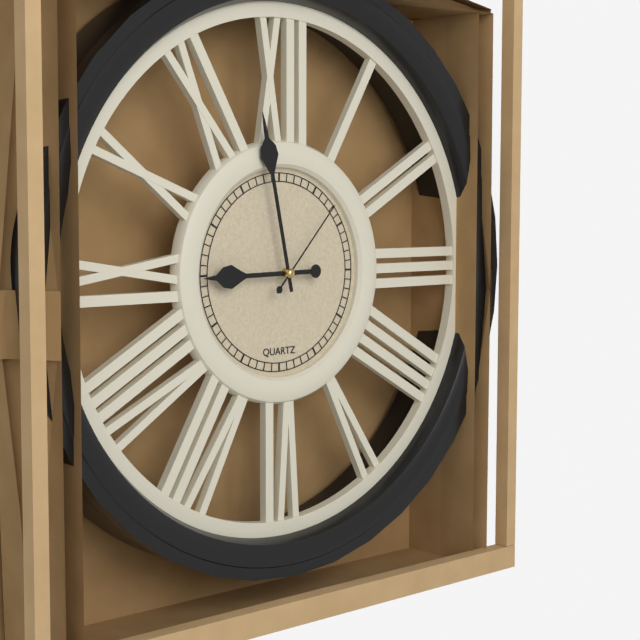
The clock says h=8 m=58 s=7
